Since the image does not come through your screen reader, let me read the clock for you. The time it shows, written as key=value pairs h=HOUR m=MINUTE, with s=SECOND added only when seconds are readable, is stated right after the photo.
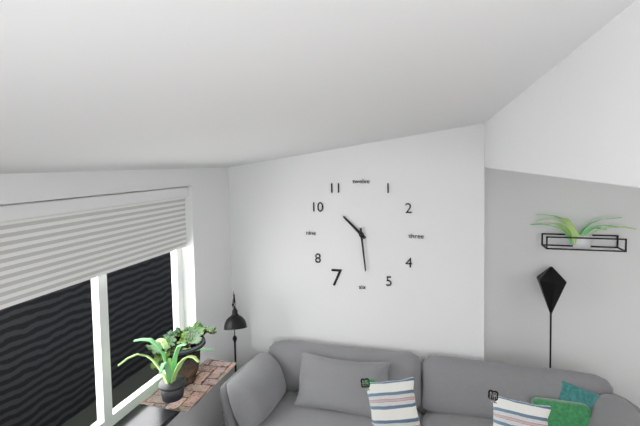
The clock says h=10 m=29
